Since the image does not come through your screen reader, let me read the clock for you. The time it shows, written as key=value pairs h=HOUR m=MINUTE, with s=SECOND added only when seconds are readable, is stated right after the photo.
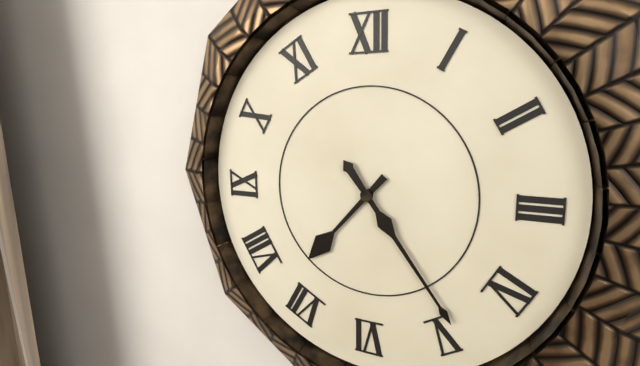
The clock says h=7 m=24
